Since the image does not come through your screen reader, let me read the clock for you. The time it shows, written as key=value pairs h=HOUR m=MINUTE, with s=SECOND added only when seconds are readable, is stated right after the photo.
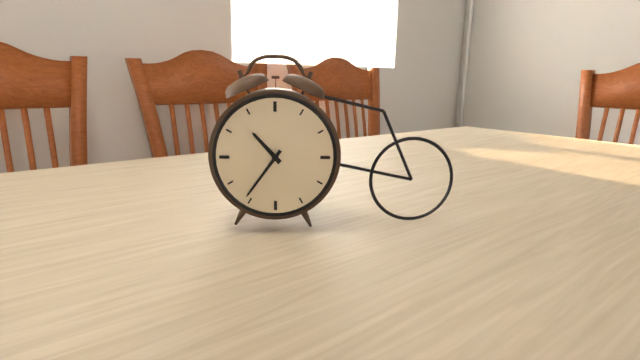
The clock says h=10 m=36
